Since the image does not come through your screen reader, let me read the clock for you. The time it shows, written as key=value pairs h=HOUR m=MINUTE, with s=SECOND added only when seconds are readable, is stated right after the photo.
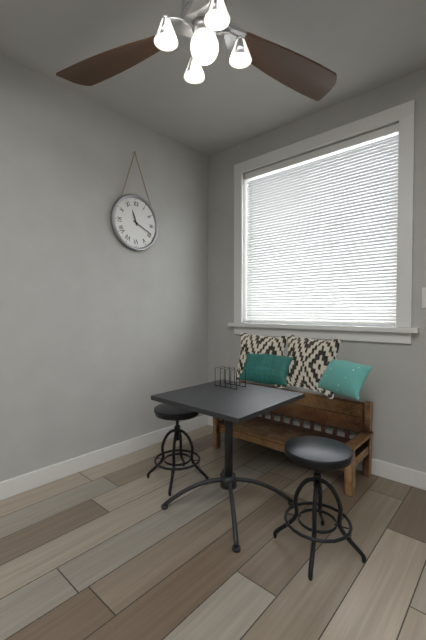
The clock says h=11 m=19
